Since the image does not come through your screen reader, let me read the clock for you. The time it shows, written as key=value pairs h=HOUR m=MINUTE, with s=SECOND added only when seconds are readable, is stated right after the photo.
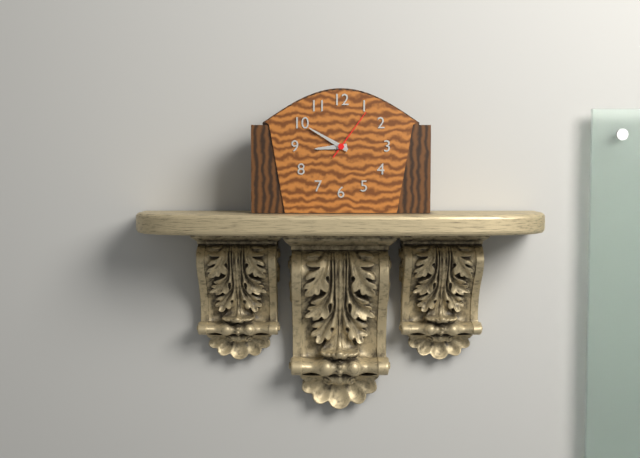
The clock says h=8 m=50 s=6
